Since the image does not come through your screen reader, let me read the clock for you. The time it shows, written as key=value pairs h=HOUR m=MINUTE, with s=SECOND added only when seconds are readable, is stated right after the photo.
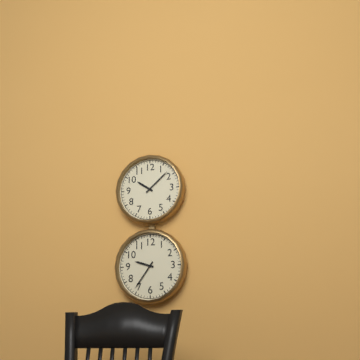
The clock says h=10 m=8
